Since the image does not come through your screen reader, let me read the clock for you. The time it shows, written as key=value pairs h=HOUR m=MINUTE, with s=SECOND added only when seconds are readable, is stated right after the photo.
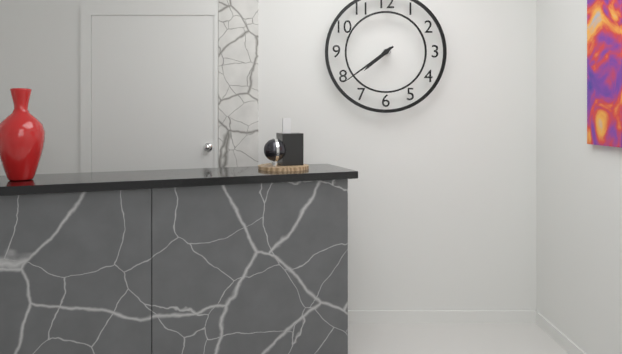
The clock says h=7 m=39
